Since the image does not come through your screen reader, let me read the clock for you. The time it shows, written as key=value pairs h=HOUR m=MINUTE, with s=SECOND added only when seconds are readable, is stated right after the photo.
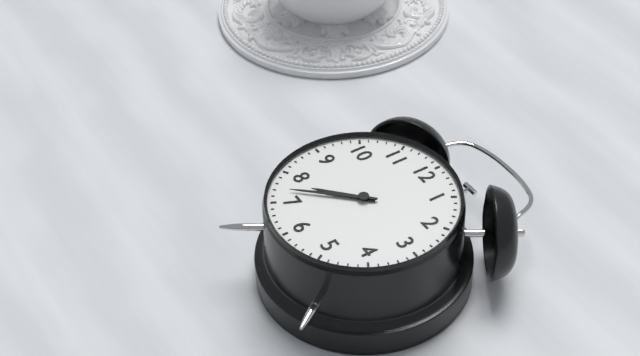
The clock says h=7 m=37
